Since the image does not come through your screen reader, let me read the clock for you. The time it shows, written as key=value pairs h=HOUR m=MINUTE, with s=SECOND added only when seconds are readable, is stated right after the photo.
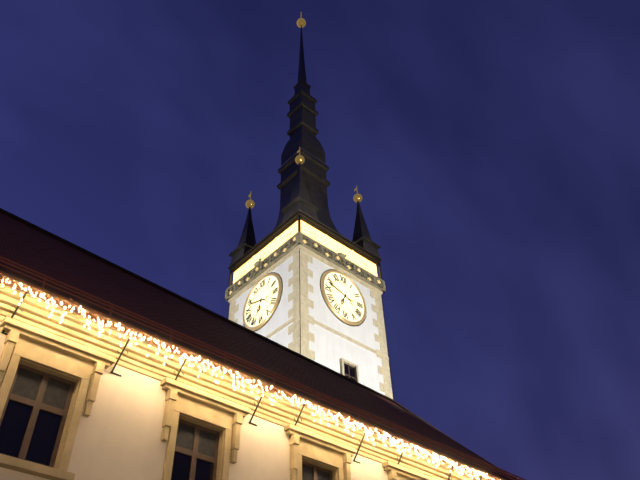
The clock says h=6 m=48
